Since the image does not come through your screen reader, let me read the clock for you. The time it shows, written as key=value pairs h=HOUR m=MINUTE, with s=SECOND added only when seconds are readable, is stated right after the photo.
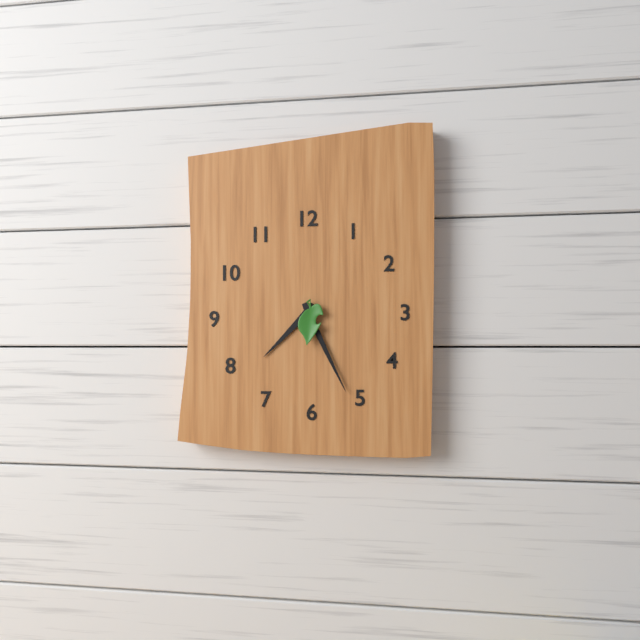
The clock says h=7 m=26
